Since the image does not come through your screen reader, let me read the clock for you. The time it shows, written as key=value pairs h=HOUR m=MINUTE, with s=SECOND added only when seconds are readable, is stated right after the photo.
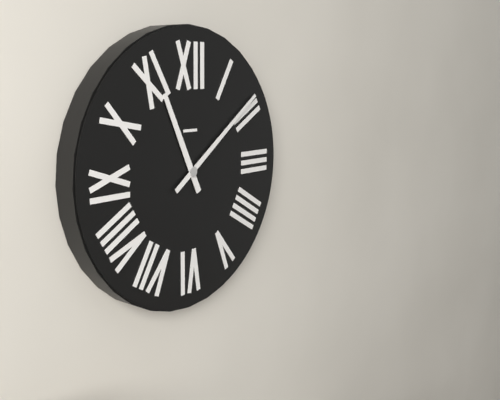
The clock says h=11 m=9
